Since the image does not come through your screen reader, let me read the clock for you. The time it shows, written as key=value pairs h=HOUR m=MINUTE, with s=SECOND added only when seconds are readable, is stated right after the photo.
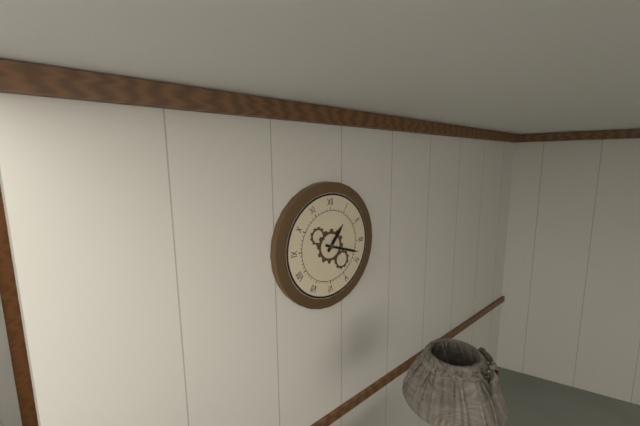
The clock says h=1 m=18
